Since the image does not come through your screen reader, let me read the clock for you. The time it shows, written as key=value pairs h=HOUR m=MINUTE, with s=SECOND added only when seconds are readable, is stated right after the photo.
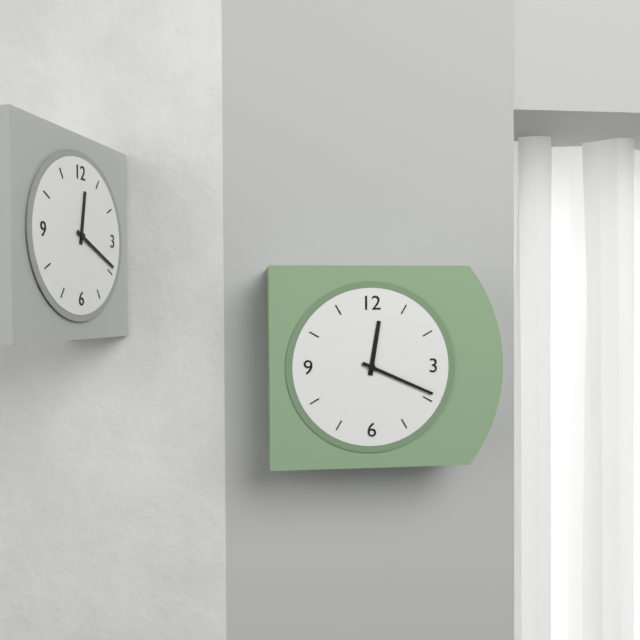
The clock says h=12 m=19
